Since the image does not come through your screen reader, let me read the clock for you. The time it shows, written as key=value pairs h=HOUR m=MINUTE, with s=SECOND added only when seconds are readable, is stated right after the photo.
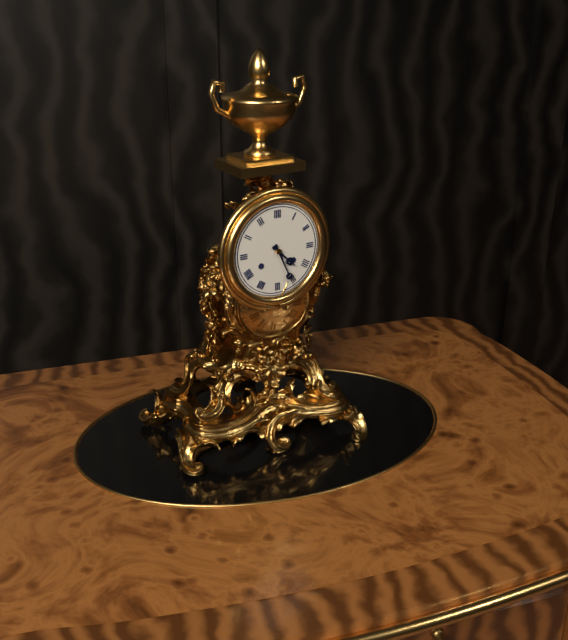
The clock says h=4 m=26
